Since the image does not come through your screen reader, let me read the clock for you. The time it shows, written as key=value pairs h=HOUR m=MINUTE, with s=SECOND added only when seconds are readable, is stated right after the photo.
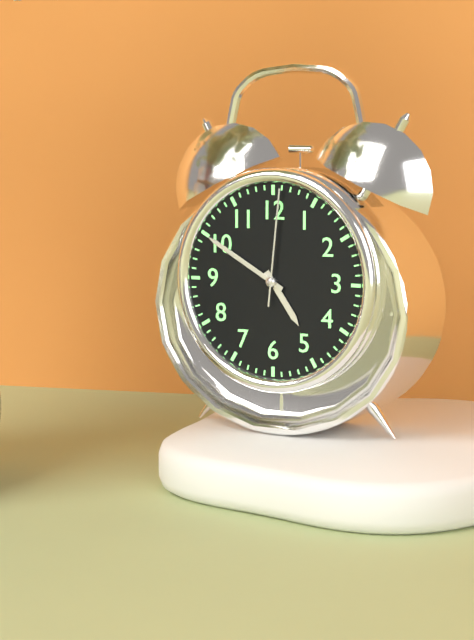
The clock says h=4 m=50 s=1
